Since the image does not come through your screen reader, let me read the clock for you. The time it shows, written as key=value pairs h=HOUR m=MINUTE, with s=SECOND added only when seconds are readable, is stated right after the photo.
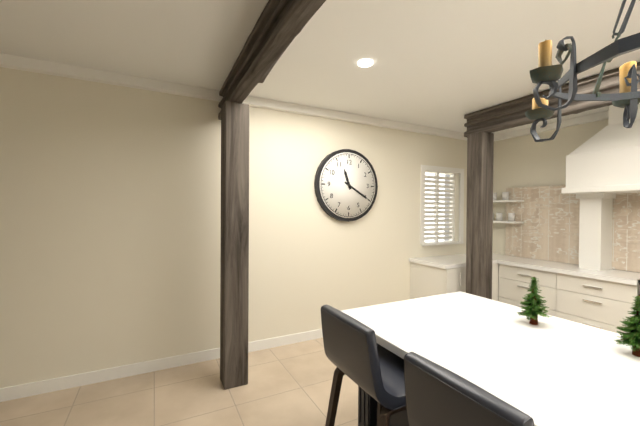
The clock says h=11 m=20
